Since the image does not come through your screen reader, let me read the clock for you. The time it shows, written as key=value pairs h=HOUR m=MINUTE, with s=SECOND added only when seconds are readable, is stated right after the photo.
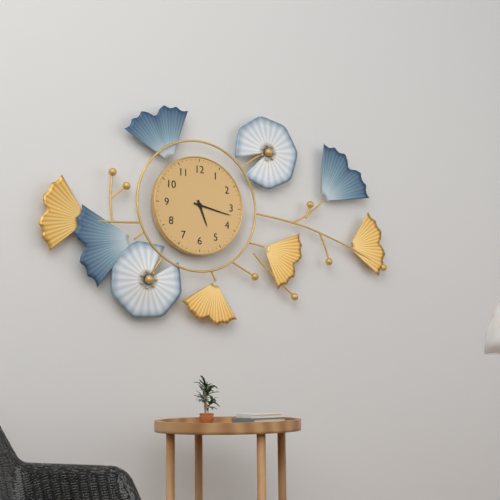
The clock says h=5 m=17
